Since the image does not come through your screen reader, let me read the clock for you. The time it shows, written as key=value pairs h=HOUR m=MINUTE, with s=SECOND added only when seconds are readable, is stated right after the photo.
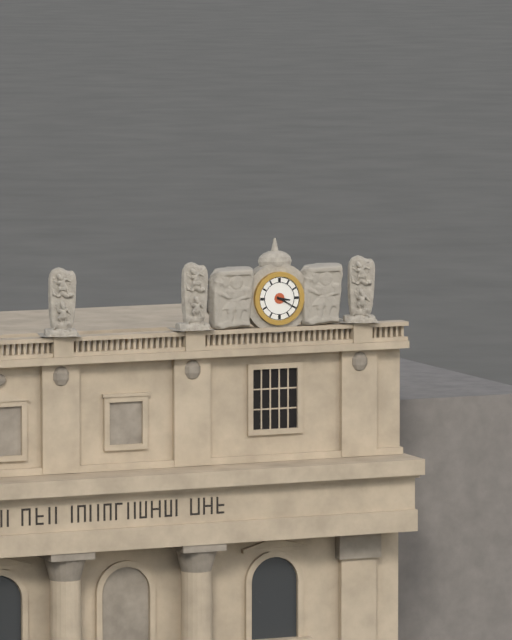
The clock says h=3 m=20
